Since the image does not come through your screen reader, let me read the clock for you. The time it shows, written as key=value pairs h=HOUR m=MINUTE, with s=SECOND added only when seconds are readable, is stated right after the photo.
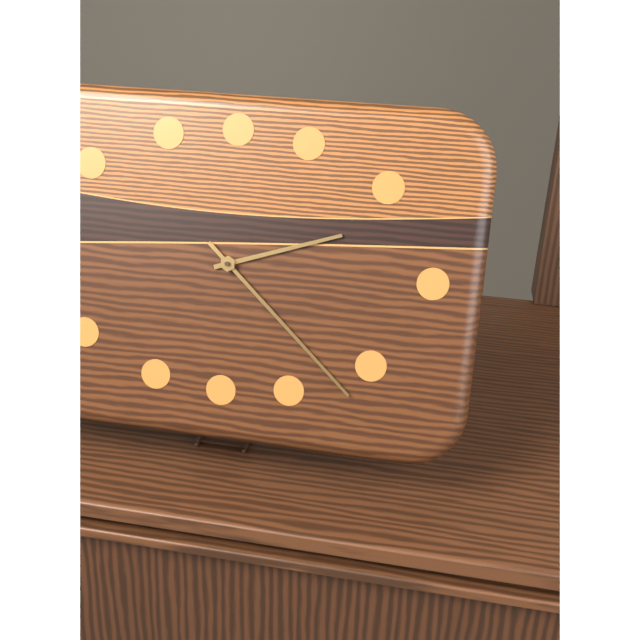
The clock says h=2 m=22
